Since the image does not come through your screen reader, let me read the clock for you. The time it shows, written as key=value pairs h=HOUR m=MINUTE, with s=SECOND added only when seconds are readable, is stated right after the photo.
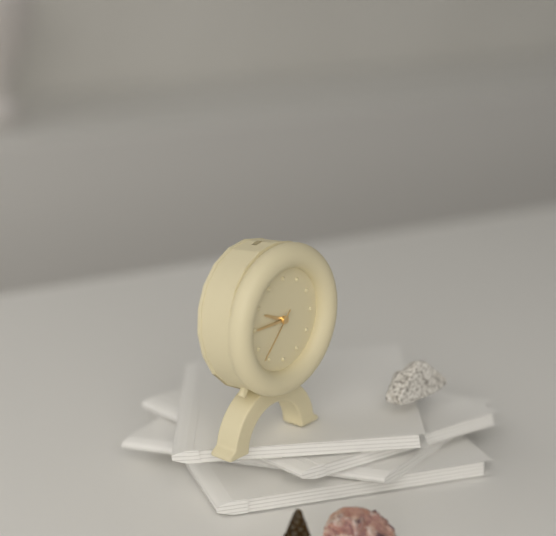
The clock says h=9 m=45 s=37
